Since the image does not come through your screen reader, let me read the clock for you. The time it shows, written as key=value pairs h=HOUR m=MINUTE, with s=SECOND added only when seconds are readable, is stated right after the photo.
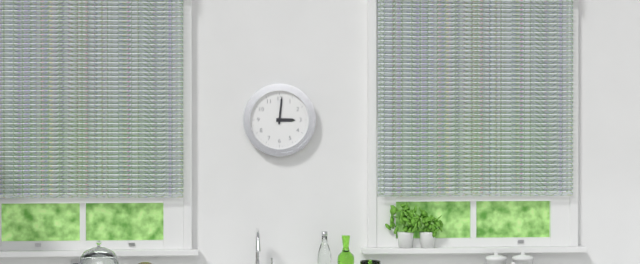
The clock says h=3 m=1
